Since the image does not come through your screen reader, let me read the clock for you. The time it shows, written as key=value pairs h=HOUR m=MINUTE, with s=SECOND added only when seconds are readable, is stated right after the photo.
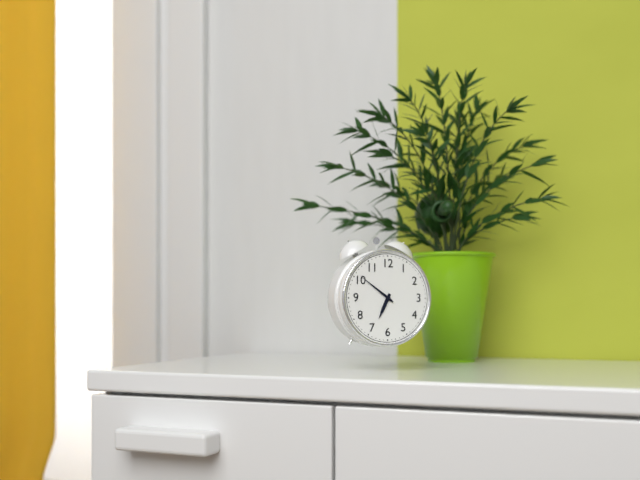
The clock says h=6 m=51
